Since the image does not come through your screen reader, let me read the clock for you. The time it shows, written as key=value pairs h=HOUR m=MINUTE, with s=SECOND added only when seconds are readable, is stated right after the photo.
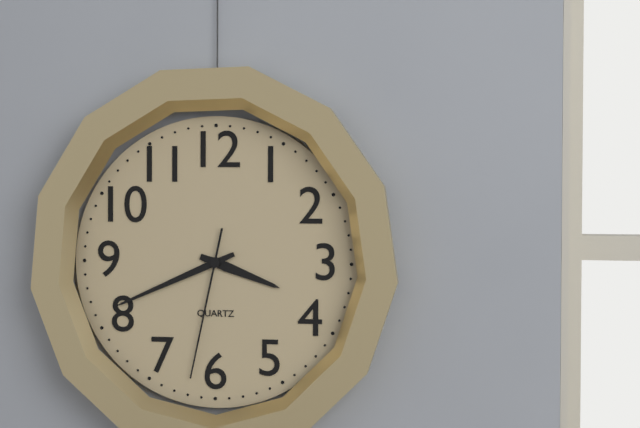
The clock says h=3 m=41 s=32
